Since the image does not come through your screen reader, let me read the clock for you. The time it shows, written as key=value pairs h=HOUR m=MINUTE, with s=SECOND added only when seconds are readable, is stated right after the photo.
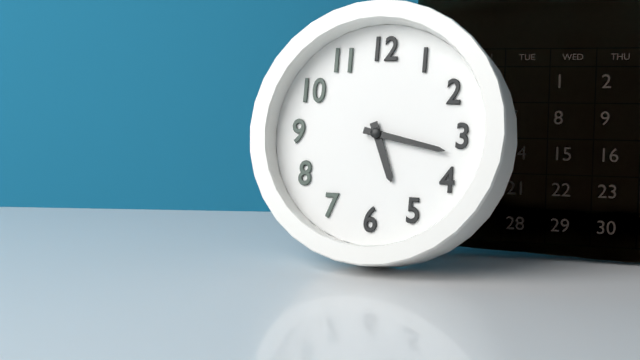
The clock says h=5 m=17
